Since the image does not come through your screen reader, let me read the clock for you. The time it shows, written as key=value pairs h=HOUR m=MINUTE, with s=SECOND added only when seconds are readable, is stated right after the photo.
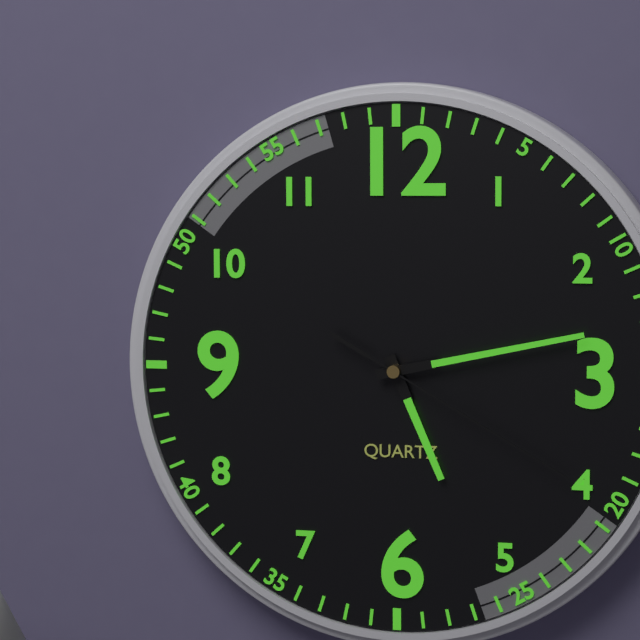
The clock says h=5 m=13 s=20
